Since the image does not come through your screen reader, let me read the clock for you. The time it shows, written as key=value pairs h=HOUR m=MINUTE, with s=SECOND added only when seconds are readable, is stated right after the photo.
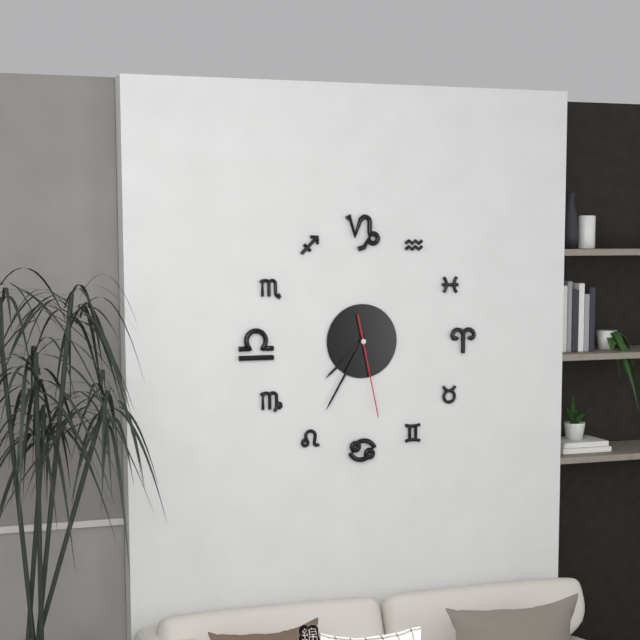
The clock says h=7 m=35 s=28
